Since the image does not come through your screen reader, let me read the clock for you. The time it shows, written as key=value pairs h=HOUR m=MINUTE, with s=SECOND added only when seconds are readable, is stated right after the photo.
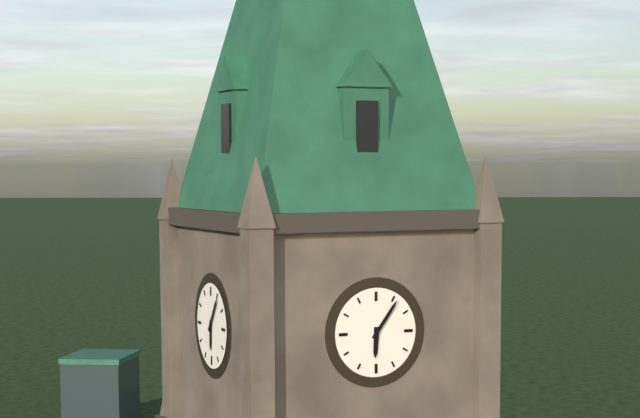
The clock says h=6 m=6
